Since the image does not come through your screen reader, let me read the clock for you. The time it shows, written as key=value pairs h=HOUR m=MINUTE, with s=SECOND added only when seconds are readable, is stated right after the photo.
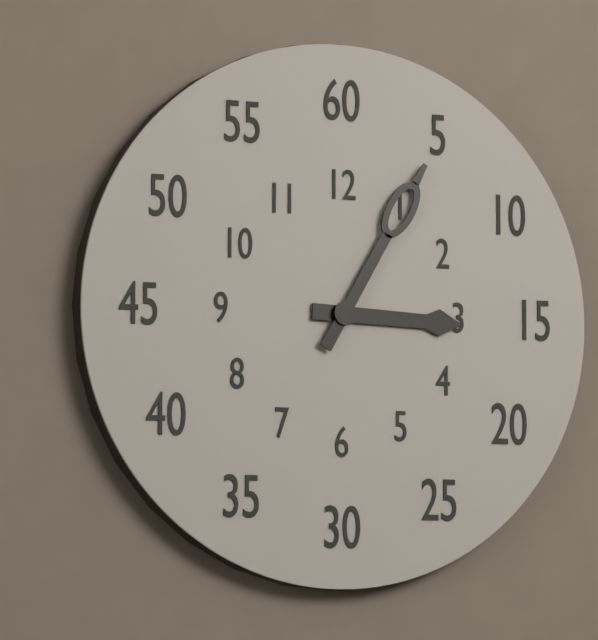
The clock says h=3 m=5
